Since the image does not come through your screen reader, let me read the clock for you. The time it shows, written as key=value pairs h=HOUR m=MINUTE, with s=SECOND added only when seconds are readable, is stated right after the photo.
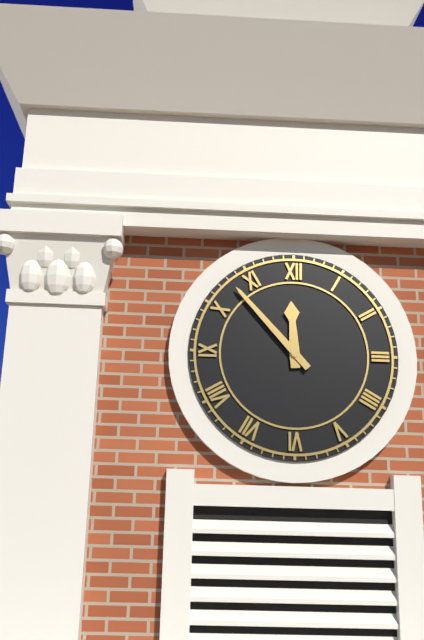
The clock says h=11 m=53
